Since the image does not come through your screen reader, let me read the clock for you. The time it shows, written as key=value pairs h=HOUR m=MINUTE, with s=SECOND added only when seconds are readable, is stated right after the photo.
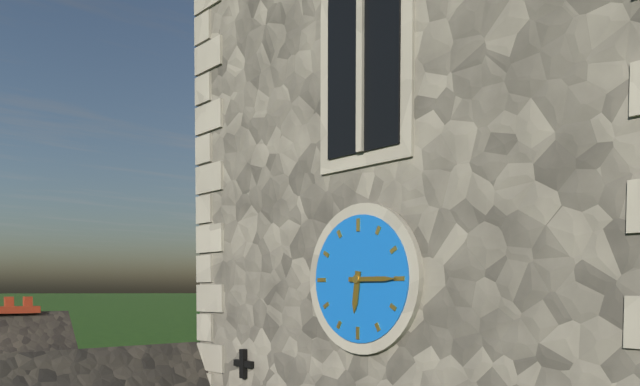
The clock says h=6 m=15
